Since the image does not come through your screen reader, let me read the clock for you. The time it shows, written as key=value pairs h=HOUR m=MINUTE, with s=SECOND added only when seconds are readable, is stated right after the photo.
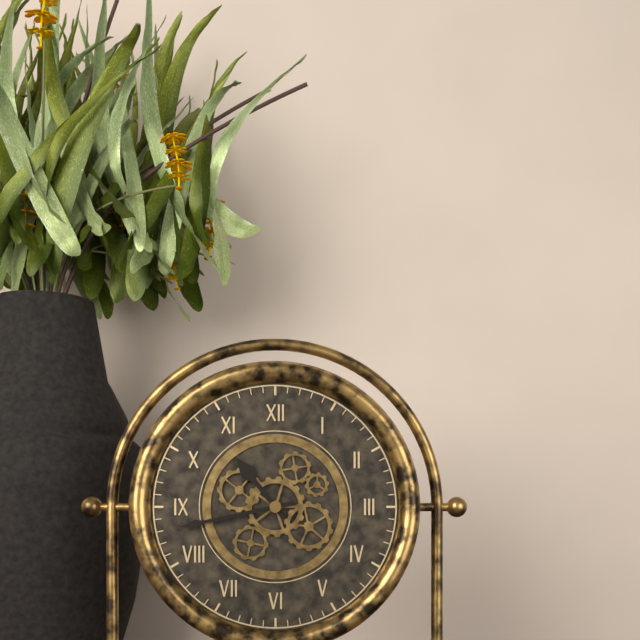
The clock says h=10 m=43
